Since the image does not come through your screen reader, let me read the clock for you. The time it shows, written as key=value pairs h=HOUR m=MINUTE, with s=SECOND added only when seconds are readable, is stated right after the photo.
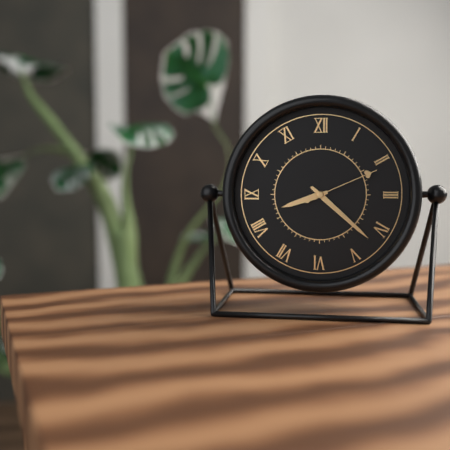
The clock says h=8 m=22 s=11
